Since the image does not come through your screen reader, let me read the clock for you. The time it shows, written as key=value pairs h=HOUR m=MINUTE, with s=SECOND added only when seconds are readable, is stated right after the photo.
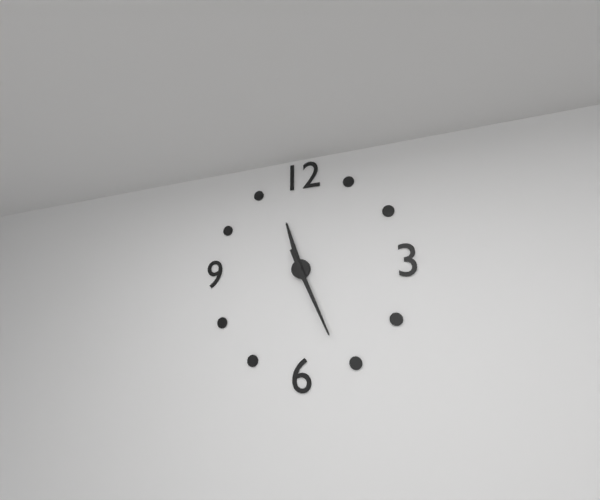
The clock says h=11 m=26
